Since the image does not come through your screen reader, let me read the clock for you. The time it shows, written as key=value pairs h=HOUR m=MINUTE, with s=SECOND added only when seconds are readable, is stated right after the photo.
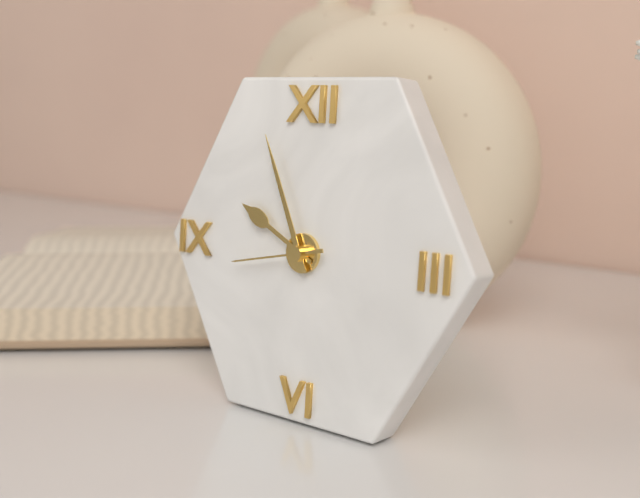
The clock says h=9 m=56 s=43
